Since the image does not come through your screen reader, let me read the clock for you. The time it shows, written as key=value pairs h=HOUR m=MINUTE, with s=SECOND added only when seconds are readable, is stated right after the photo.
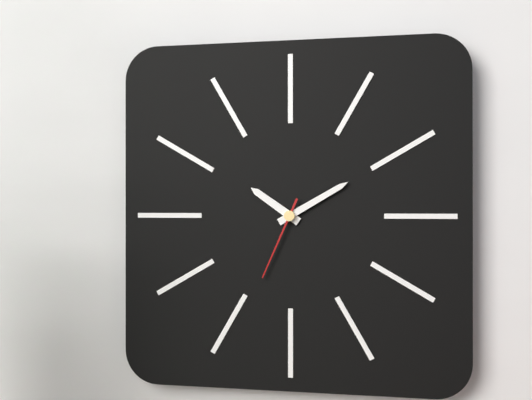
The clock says h=10 m=10 s=34
